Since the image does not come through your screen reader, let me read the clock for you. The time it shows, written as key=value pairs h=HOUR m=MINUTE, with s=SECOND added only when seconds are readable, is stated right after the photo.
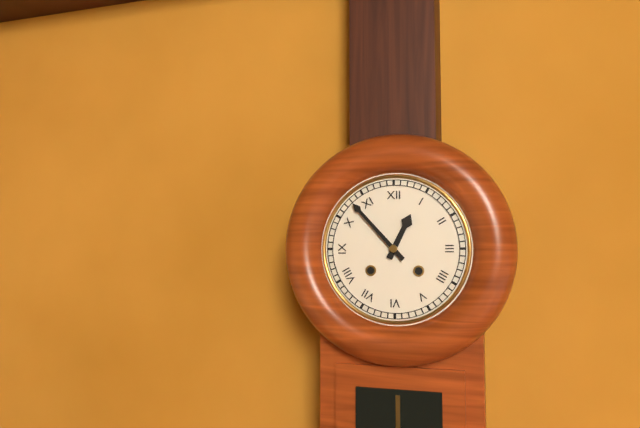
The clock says h=12 m=53
